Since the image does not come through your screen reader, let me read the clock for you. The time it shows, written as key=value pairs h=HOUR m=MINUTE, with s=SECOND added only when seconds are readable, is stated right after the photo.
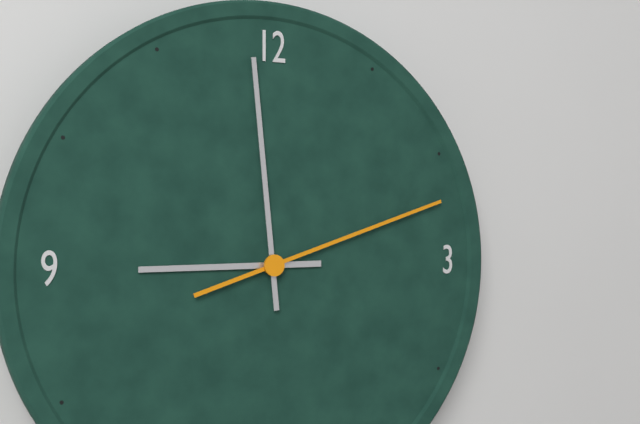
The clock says h=8 m=59 s=12
